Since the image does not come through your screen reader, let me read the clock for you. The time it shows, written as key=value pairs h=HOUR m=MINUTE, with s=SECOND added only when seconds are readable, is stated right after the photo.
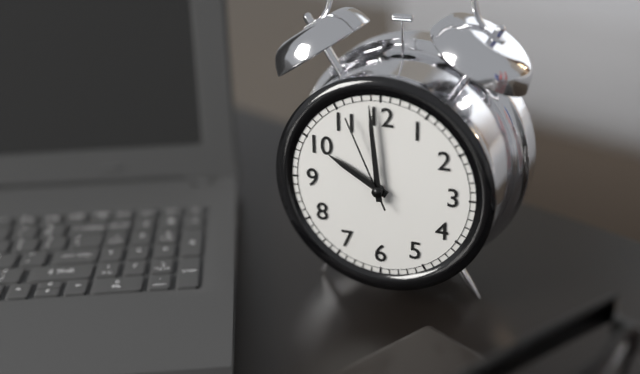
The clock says h=9 m=59 s=56
